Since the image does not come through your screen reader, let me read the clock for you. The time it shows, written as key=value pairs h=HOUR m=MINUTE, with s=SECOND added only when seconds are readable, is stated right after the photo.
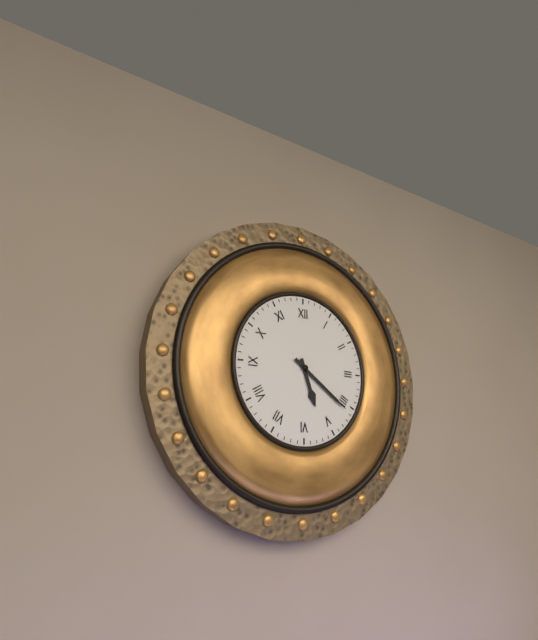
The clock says h=5 m=21
